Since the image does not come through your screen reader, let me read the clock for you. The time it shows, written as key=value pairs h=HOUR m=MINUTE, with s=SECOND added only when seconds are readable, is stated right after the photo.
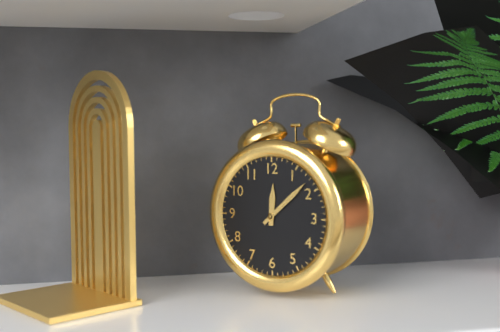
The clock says h=12 m=8
